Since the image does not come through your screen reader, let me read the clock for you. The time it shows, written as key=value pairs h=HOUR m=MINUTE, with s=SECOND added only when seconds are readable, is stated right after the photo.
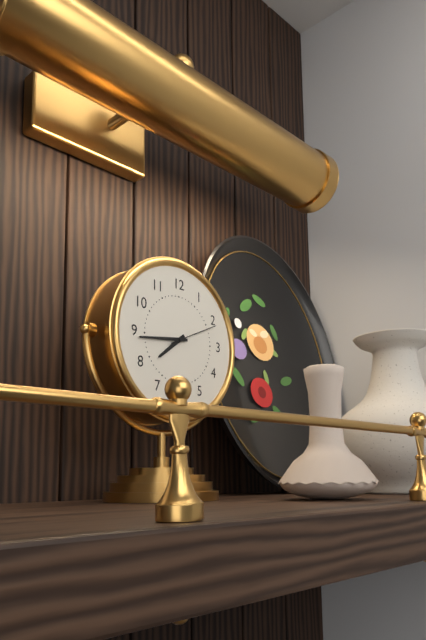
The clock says h=7 m=44
